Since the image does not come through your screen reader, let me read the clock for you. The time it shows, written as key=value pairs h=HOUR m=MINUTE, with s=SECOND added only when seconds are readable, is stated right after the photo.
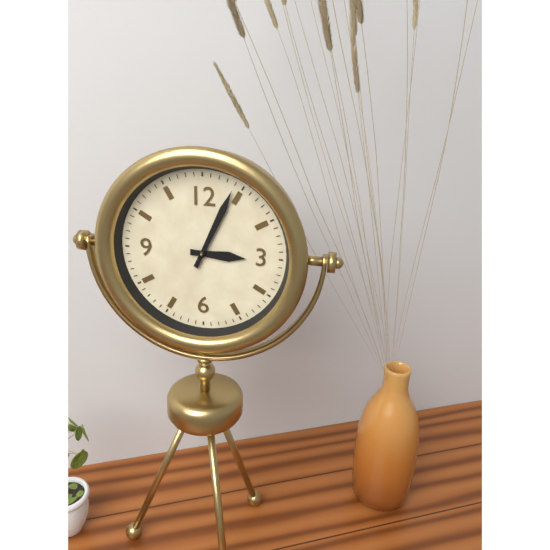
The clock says h=3 m=4
